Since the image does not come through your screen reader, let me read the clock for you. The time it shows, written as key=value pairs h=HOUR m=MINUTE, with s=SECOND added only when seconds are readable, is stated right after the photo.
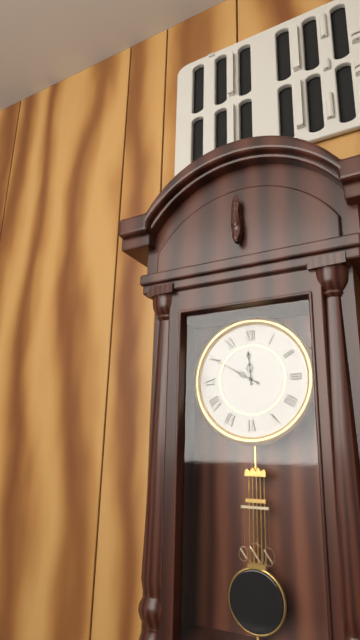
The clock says h=11 m=50
